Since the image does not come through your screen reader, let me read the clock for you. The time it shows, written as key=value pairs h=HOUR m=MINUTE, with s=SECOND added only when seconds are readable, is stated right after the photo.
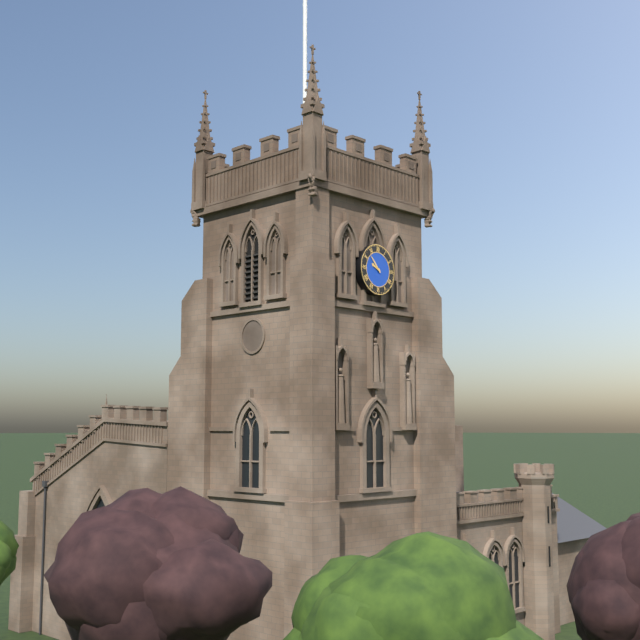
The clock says h=9 m=53
